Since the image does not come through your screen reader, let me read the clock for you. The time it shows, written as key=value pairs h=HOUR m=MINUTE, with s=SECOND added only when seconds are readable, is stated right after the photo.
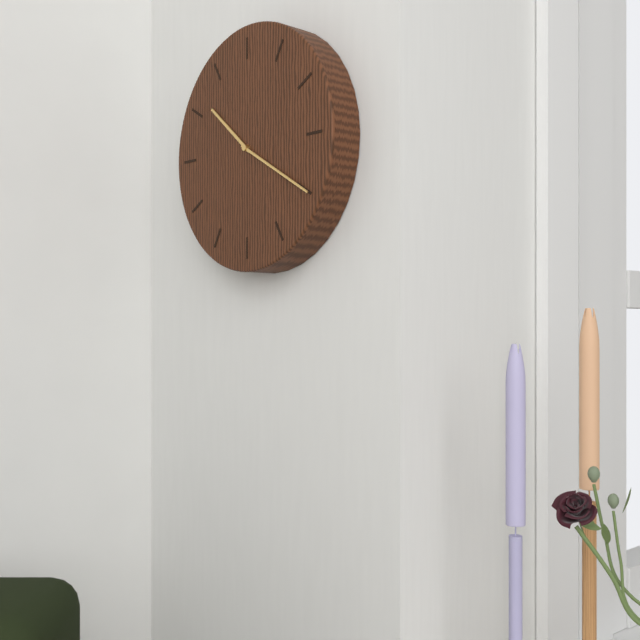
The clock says h=10 m=20
